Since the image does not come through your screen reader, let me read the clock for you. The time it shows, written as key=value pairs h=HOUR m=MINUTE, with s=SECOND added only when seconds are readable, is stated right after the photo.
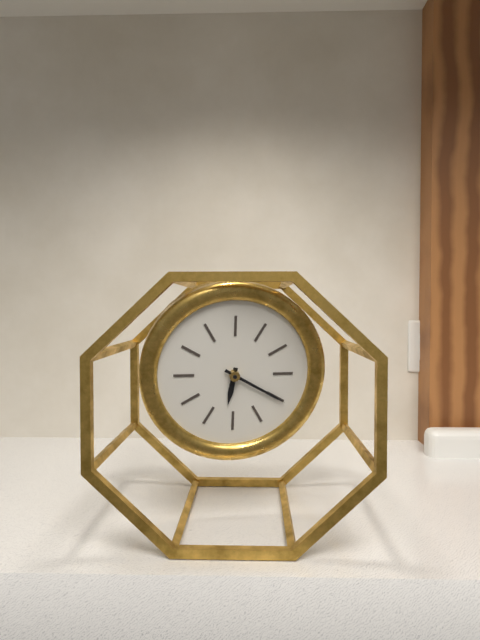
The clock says h=6 m=20
